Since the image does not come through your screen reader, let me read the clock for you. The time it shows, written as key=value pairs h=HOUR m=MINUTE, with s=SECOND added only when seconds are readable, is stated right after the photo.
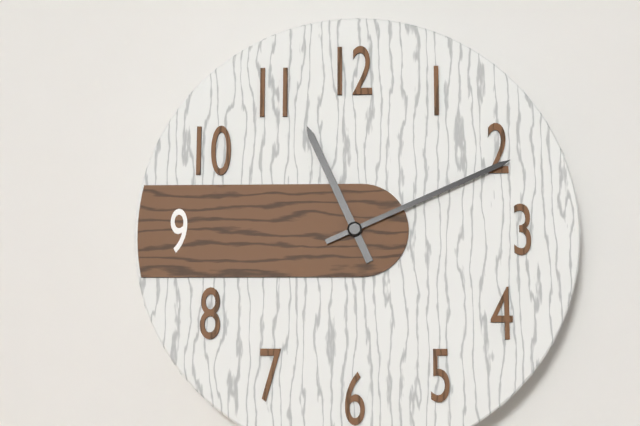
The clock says h=11 m=11
